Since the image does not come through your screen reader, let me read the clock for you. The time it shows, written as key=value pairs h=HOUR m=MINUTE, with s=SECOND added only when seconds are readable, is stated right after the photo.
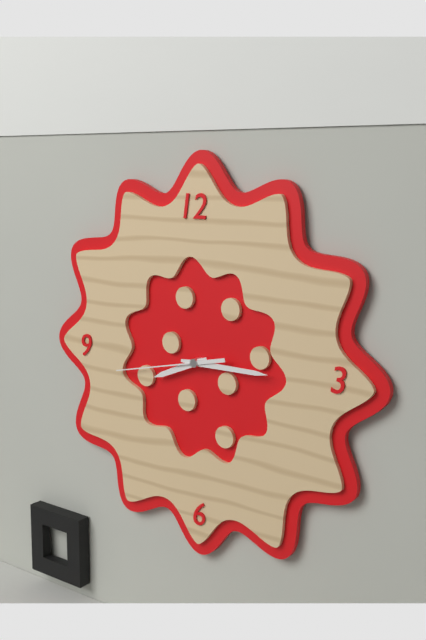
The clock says h=8 m=15 s=43
